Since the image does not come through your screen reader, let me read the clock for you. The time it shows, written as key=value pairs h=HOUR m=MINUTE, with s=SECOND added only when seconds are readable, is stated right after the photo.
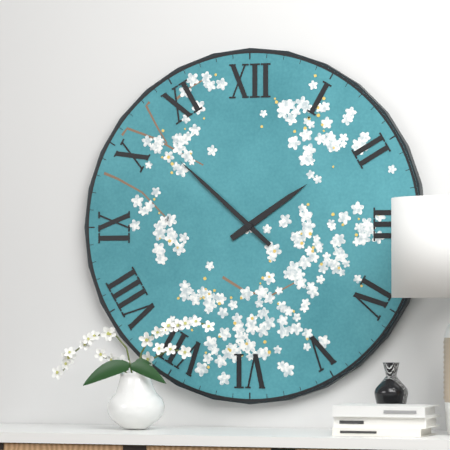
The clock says h=1 m=52
